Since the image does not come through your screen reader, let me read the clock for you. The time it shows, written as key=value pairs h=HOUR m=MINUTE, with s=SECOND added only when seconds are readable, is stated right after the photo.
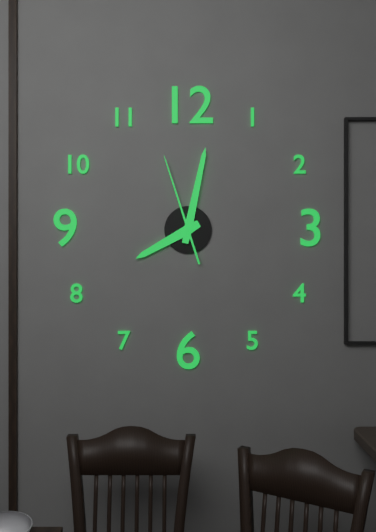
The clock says h=8 m=2 s=57
